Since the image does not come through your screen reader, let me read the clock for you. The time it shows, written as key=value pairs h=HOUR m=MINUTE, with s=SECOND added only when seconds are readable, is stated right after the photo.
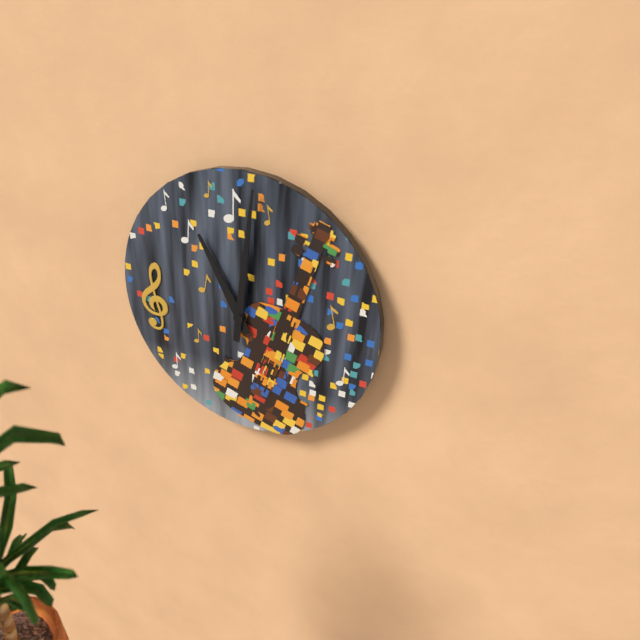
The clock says h=11 m=1
